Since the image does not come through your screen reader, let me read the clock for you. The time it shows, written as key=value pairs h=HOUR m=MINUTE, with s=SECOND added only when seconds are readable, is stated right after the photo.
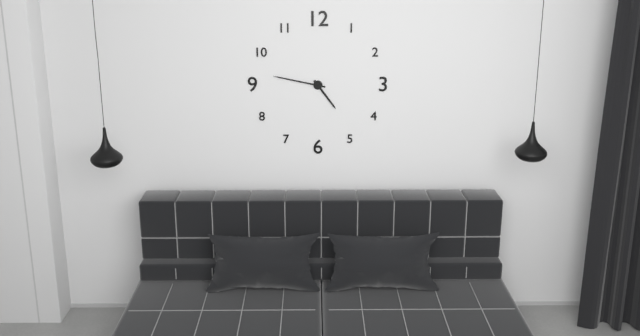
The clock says h=4 m=47
